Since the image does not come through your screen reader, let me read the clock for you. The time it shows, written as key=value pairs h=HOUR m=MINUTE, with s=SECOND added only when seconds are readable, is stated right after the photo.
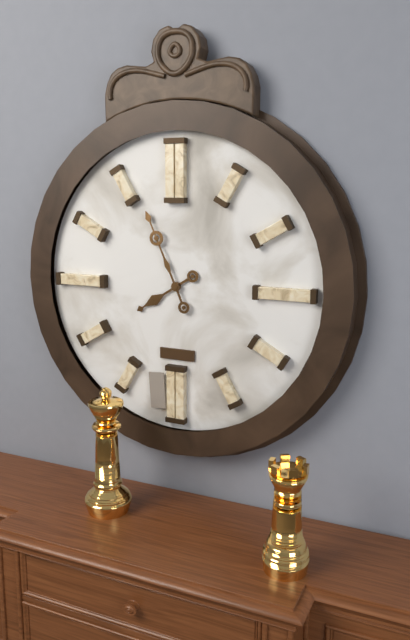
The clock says h=7 m=56
